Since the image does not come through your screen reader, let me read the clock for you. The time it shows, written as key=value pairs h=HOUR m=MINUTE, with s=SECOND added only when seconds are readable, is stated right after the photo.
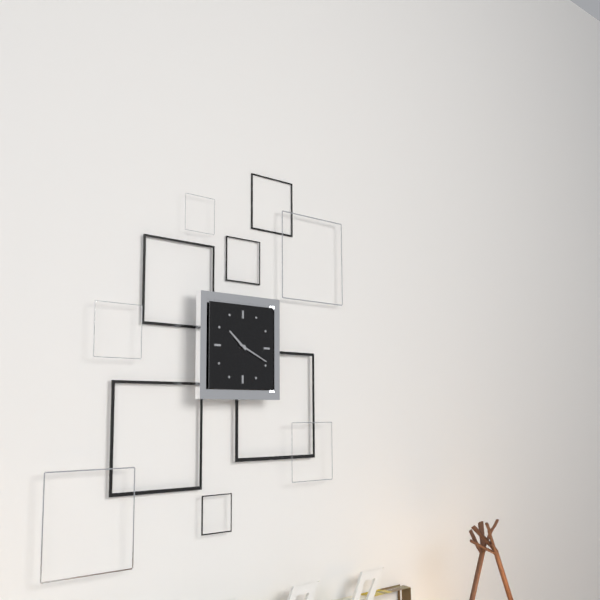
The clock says h=10 m=19
